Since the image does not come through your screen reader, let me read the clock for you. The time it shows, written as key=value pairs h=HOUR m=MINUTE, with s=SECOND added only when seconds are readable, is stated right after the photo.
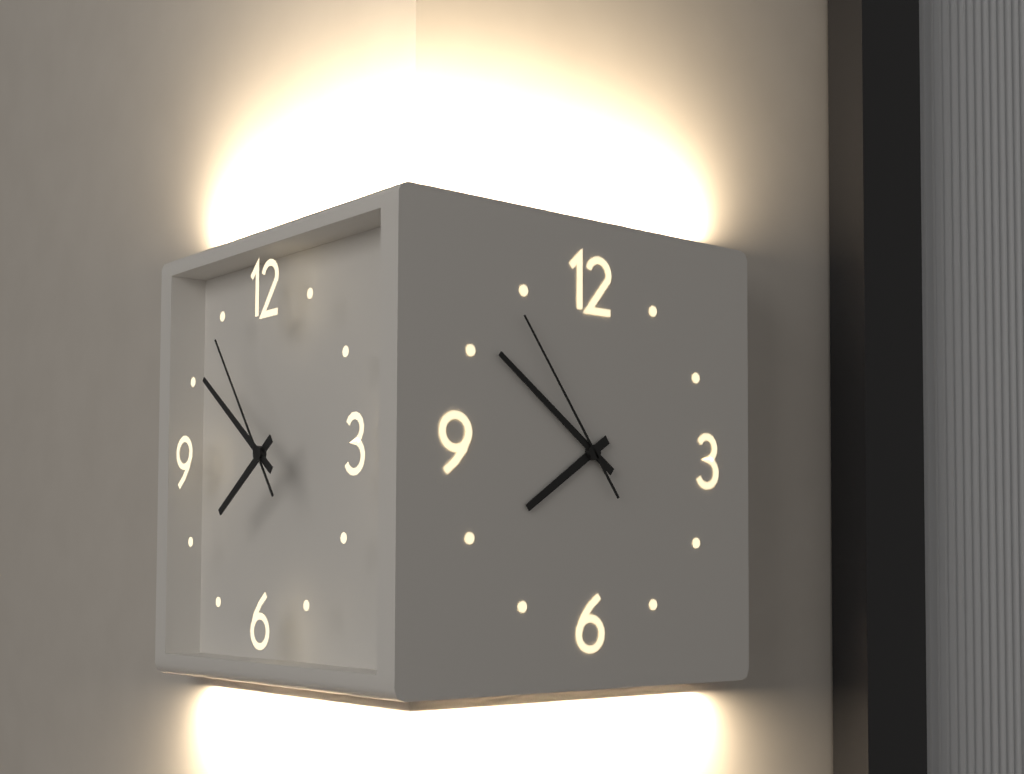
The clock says h=7 m=51 s=54
